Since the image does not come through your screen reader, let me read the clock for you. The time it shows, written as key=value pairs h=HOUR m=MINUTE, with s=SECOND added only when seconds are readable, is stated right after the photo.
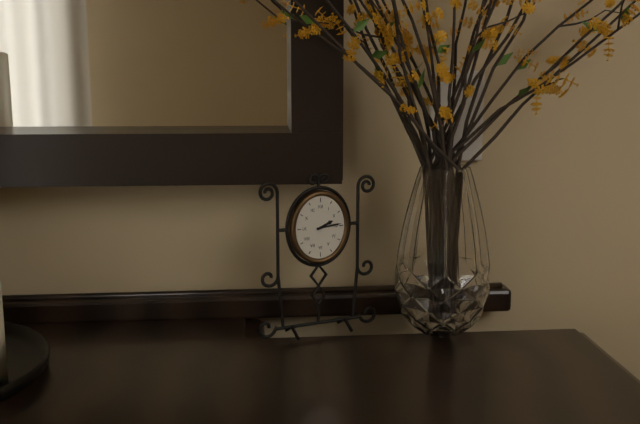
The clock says h=2 m=14
